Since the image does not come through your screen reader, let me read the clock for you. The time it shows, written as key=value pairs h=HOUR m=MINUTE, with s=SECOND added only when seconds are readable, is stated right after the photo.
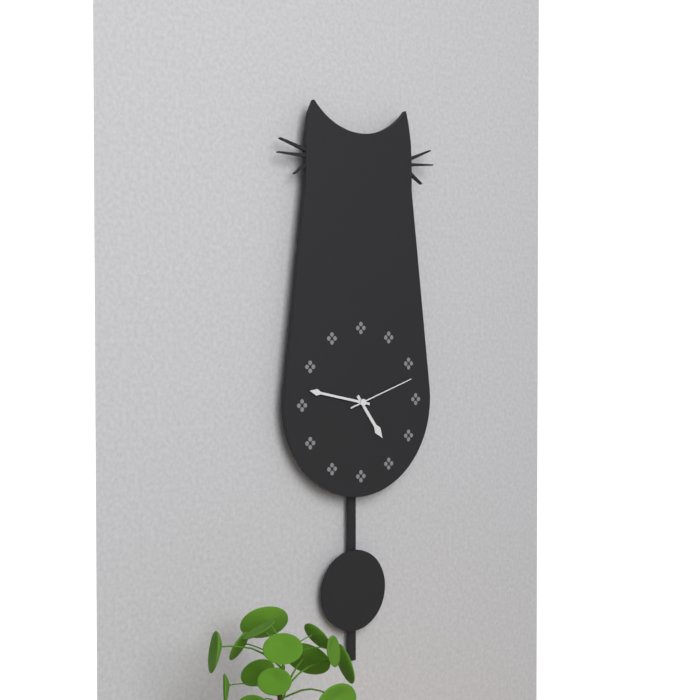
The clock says h=4 m=47 s=12
